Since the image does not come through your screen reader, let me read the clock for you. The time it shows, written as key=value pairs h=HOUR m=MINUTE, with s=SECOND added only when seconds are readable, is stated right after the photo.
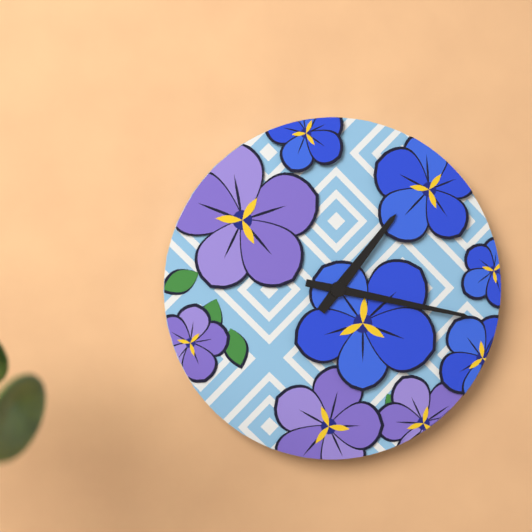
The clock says h=1 m=17
